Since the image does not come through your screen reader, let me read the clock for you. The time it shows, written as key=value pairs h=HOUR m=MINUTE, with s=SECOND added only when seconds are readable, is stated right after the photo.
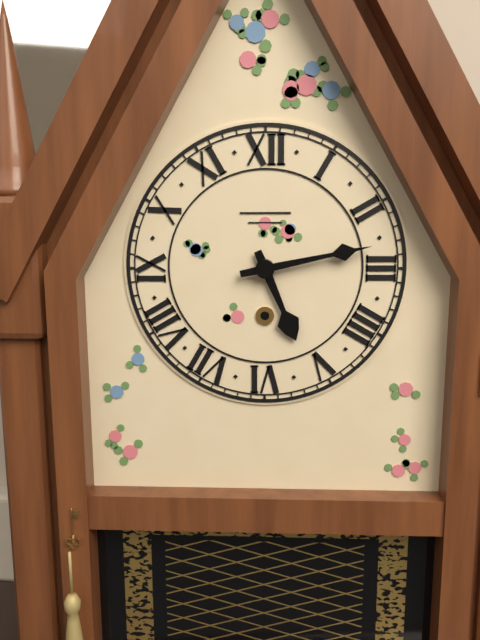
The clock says h=5 m=13
